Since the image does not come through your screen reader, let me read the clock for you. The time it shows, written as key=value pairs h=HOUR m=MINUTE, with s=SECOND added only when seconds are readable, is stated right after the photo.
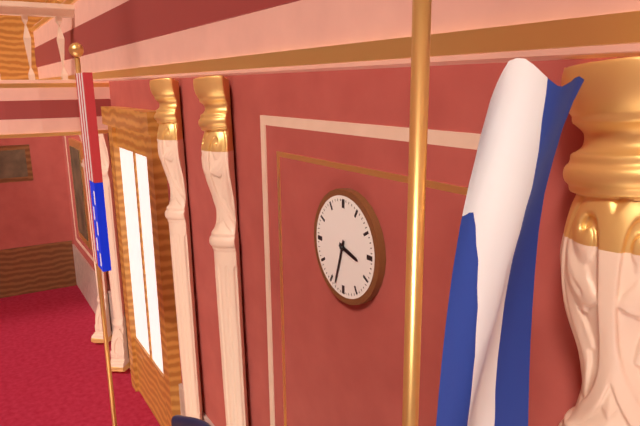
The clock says h=3 m=33
